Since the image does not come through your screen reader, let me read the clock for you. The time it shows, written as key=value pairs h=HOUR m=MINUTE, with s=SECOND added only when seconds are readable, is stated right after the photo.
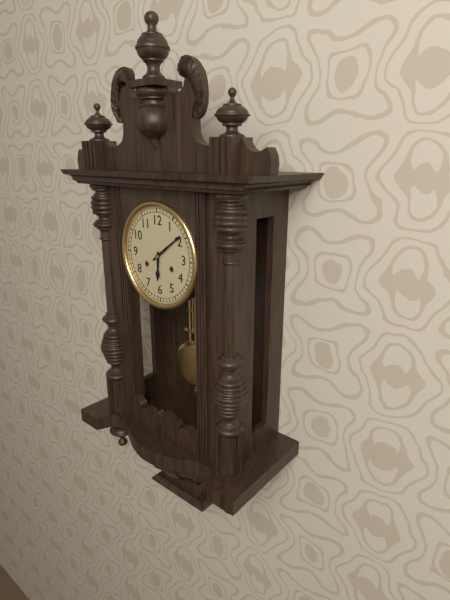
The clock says h=6 m=9
